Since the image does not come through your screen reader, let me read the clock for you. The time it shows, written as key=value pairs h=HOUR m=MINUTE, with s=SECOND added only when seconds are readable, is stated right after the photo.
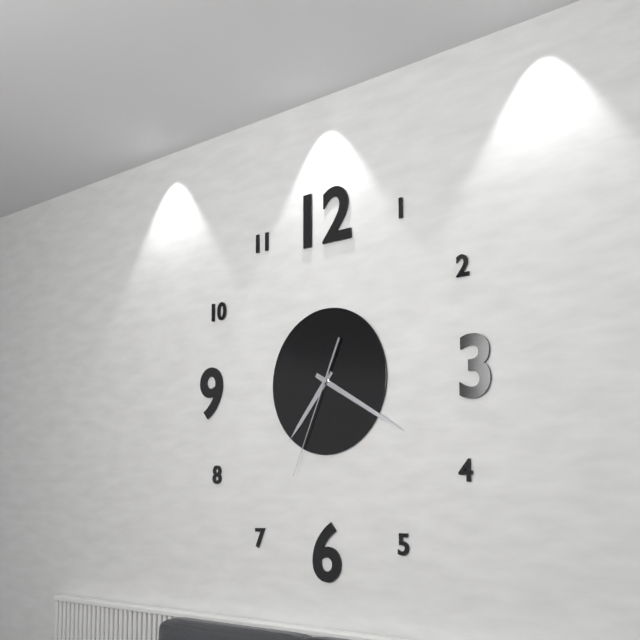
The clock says h=7 m=20 s=34
